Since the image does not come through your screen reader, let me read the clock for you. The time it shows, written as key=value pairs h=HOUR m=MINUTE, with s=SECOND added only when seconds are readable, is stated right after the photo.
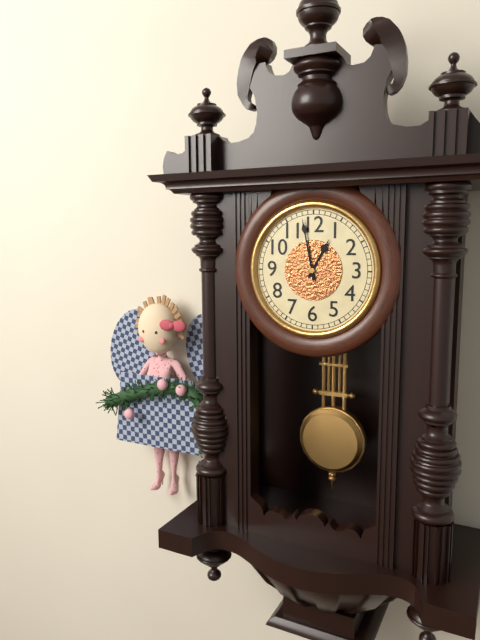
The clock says h=12 m=58
